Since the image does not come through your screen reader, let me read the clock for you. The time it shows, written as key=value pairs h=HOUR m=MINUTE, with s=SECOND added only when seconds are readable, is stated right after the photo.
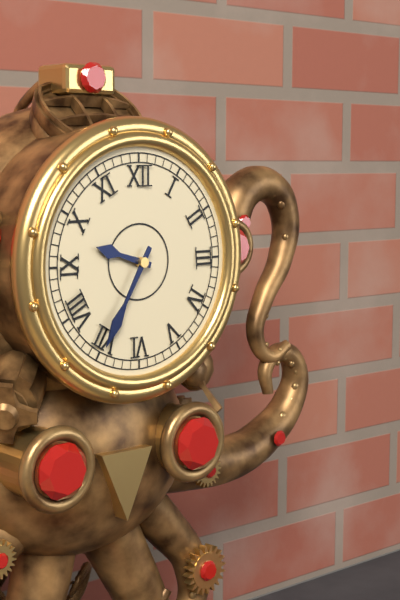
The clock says h=9 m=35
